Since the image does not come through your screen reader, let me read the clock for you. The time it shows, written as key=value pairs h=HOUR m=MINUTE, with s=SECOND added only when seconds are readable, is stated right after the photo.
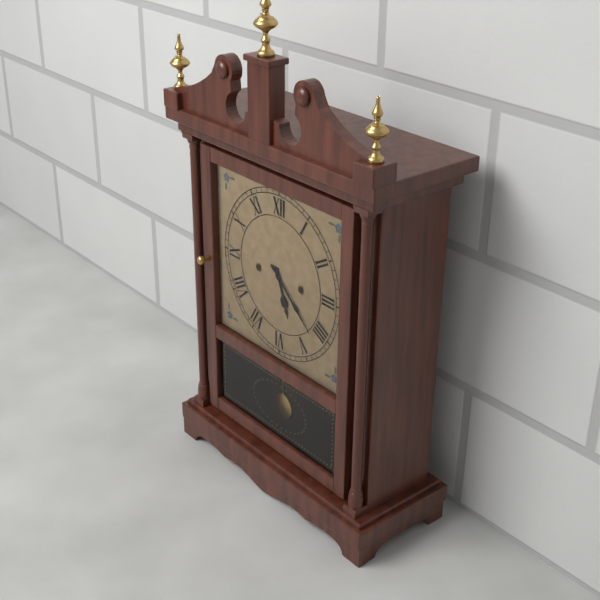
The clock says h=5 m=22
